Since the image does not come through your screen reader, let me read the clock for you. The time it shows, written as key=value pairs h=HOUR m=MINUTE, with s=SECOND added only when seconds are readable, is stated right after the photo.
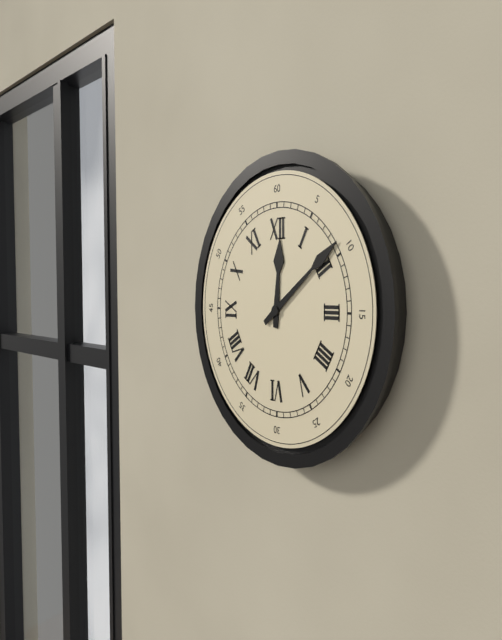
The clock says h=12 m=9
